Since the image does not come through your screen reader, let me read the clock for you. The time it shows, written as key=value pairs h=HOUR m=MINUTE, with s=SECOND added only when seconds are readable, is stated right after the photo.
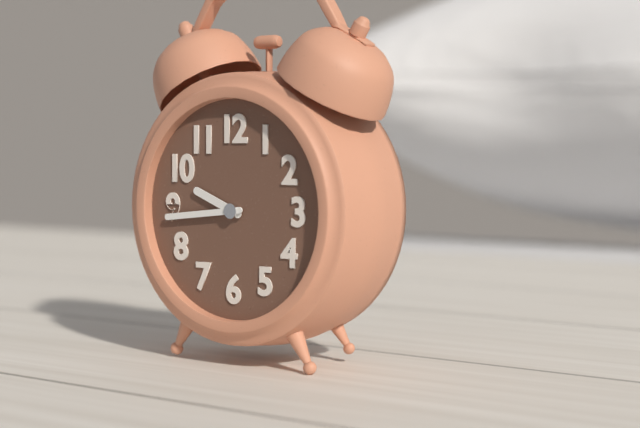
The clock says h=9 m=44
